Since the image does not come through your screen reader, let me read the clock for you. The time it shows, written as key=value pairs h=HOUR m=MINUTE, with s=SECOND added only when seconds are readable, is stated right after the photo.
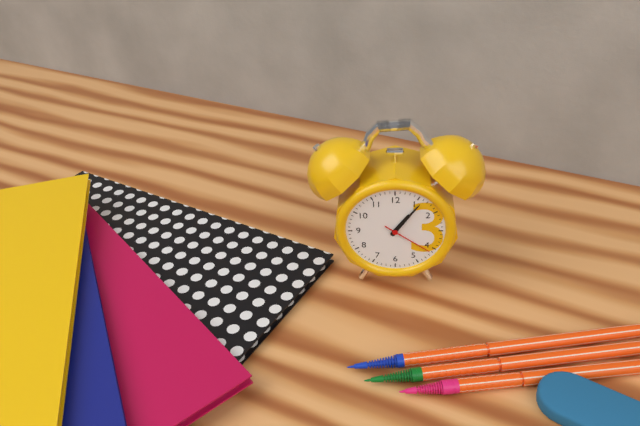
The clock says h=1 m=6 s=21
